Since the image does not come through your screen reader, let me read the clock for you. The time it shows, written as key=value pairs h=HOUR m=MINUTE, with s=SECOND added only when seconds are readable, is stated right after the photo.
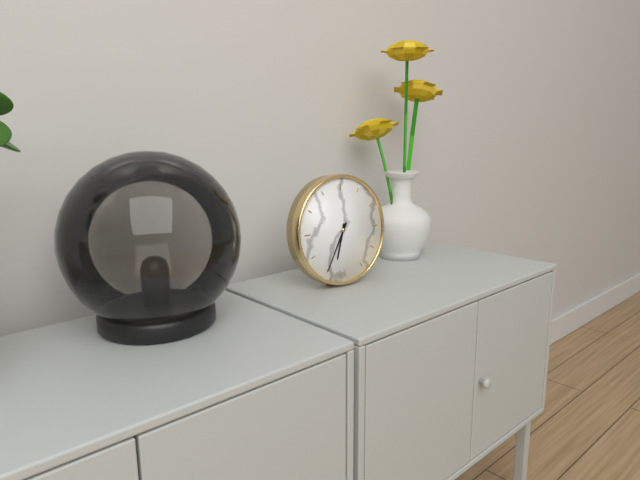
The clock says h=6 m=35
